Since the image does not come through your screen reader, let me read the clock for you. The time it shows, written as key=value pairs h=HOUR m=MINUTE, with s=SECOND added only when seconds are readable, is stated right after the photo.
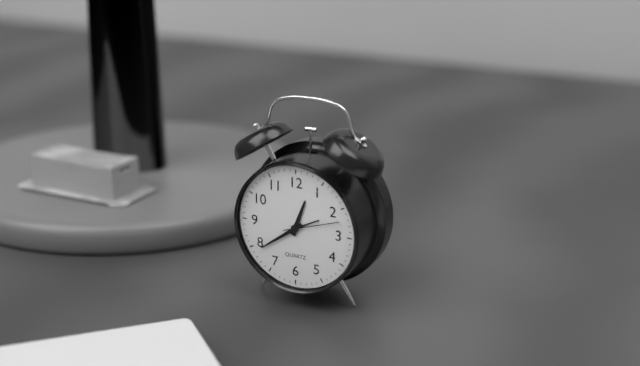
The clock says h=12 m=39 s=12
